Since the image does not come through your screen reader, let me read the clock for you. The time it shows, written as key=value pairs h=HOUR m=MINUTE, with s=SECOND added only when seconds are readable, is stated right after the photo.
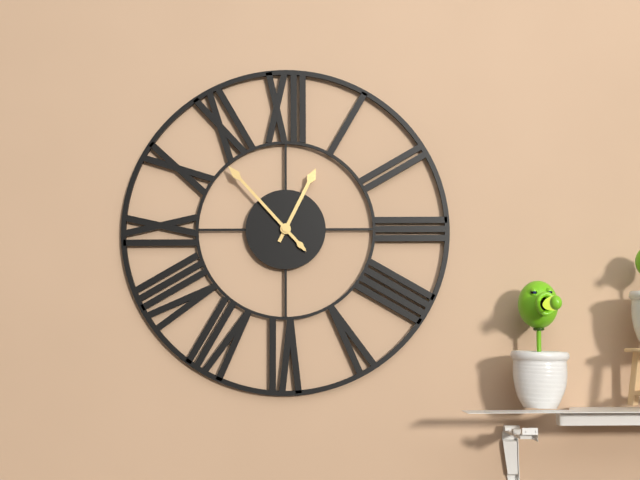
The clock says h=12 m=53
